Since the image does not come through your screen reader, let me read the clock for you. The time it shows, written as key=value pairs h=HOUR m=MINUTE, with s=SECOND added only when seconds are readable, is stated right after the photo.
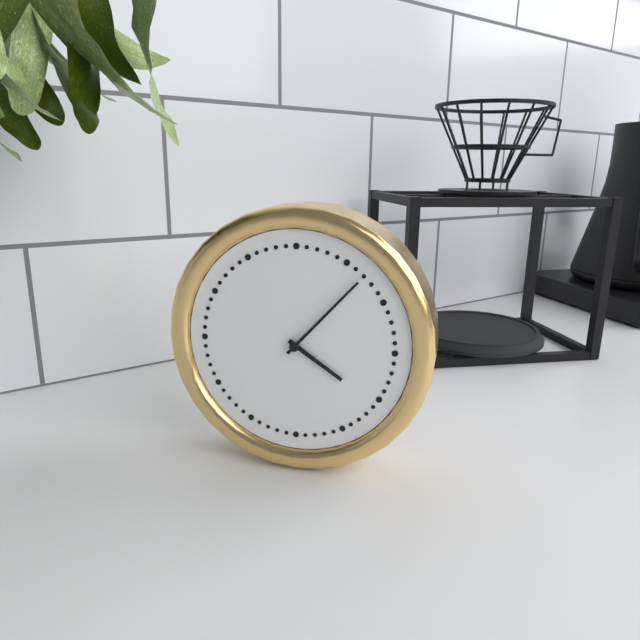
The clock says h=4 m=7
